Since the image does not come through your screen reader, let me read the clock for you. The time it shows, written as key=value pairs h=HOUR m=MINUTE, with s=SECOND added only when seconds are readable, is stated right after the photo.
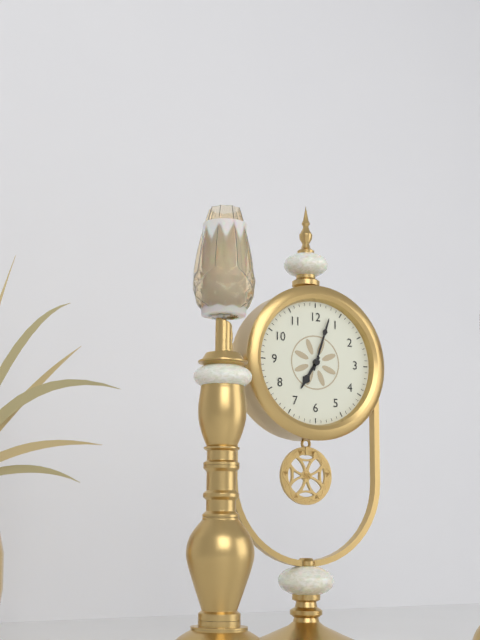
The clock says h=7 m=3
